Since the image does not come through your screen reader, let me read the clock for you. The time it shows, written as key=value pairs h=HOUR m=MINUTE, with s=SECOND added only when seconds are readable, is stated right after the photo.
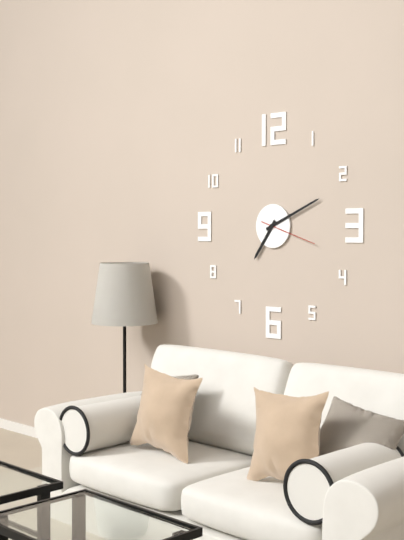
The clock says h=7 m=11 s=18
